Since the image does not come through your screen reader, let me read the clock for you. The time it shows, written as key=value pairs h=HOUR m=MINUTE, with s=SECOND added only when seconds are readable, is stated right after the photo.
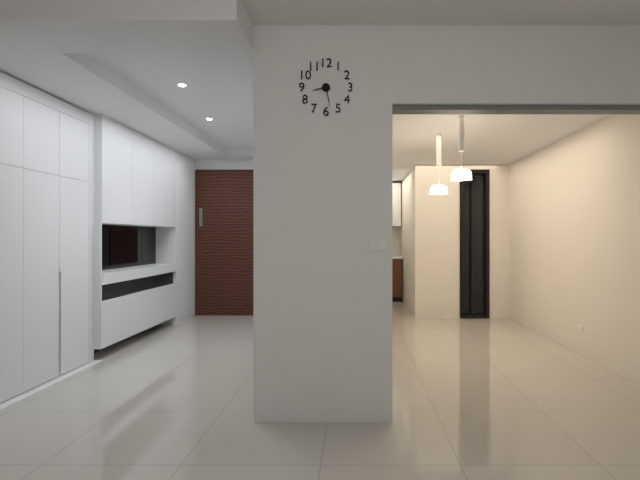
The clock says h=8 m=28
